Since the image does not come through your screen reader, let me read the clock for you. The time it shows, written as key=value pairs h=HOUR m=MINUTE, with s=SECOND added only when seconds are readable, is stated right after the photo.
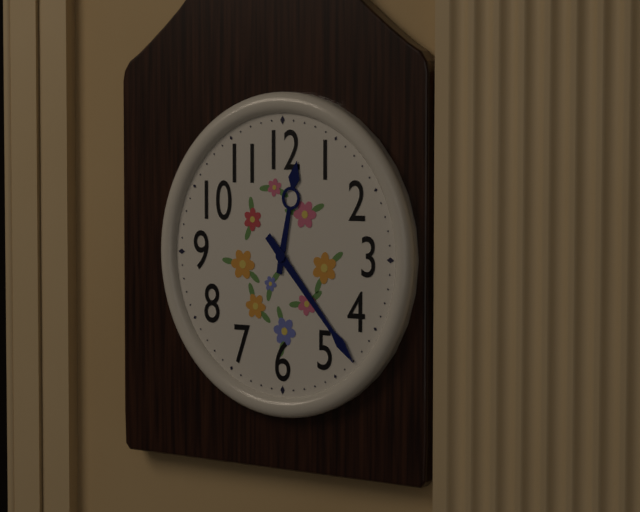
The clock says h=12 m=23
